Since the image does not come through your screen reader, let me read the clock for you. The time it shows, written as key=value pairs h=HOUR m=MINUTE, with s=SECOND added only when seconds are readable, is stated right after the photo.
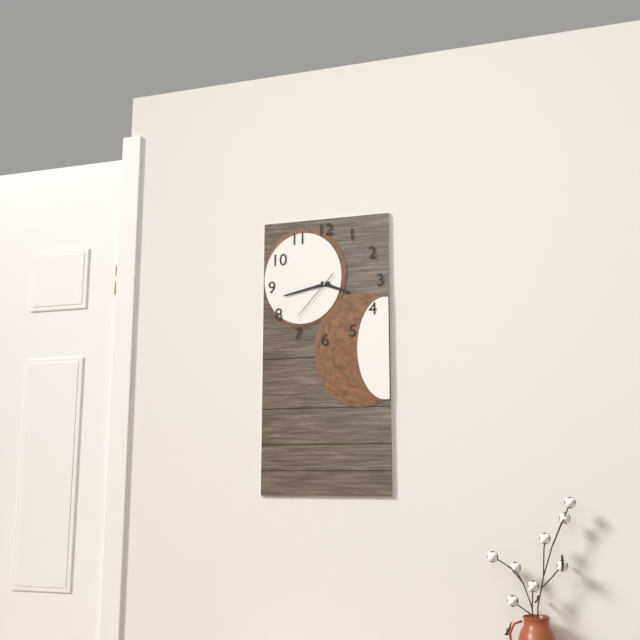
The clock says h=3 m=43 s=37
